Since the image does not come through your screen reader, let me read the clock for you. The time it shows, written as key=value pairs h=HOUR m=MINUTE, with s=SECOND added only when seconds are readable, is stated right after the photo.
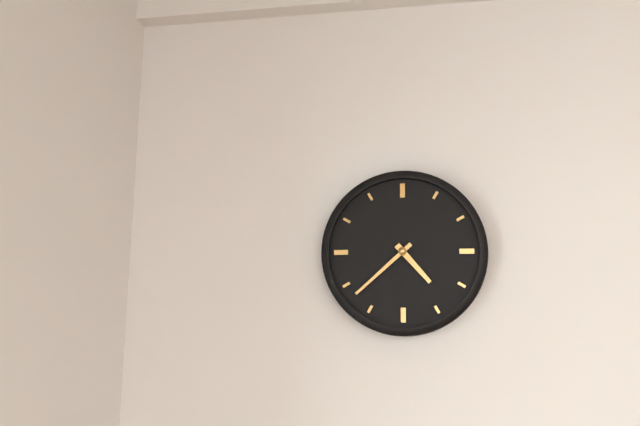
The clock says h=4 m=38
